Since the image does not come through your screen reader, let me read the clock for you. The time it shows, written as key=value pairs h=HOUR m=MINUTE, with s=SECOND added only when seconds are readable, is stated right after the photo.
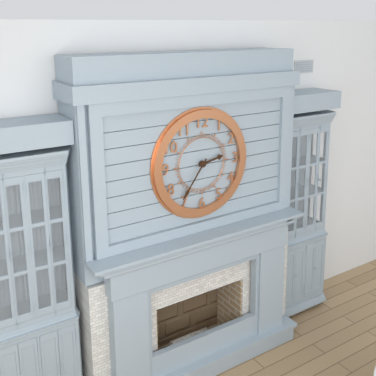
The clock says h=2 m=36
